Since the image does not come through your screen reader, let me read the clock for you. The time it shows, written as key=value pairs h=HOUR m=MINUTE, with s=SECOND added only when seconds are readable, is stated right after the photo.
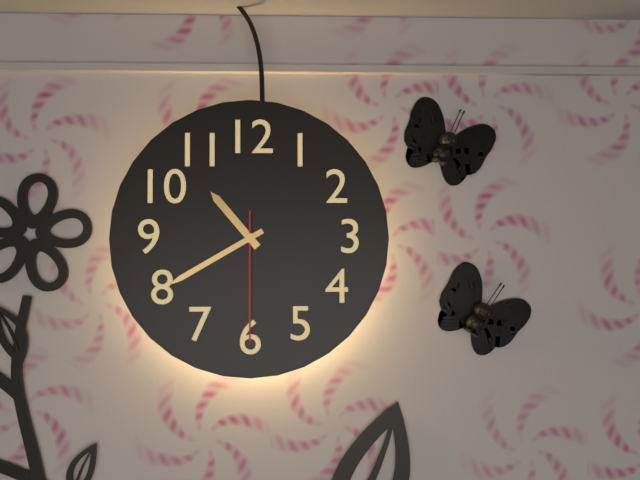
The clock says h=10 m=40 s=30
